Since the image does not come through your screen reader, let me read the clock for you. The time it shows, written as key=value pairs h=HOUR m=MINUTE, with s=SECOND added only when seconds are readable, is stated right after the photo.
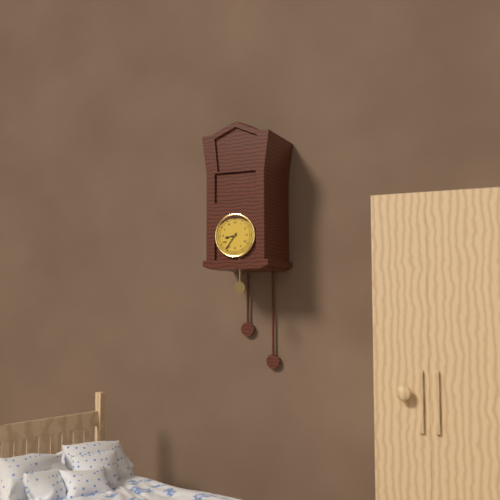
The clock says h=8 m=36
